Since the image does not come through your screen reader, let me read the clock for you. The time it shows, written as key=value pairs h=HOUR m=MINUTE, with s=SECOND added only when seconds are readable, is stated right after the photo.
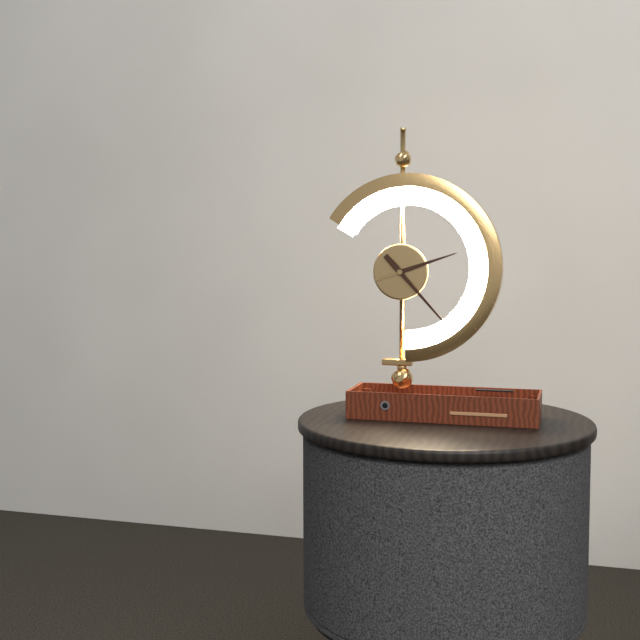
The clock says h=2 m=23
